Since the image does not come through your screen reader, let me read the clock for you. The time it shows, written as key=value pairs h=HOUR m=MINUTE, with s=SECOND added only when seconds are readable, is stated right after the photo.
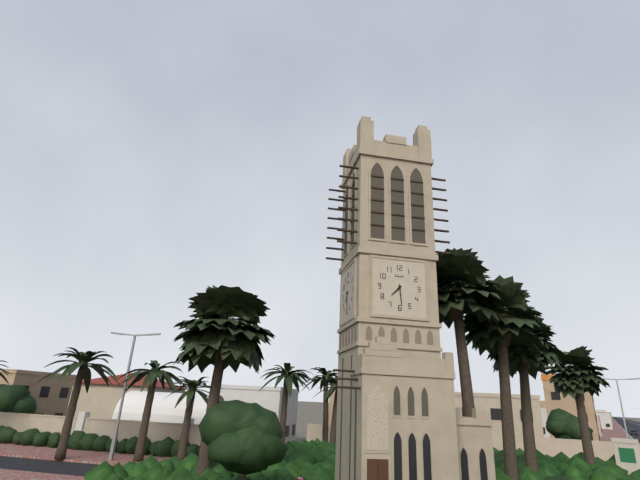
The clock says h=7 m=29
